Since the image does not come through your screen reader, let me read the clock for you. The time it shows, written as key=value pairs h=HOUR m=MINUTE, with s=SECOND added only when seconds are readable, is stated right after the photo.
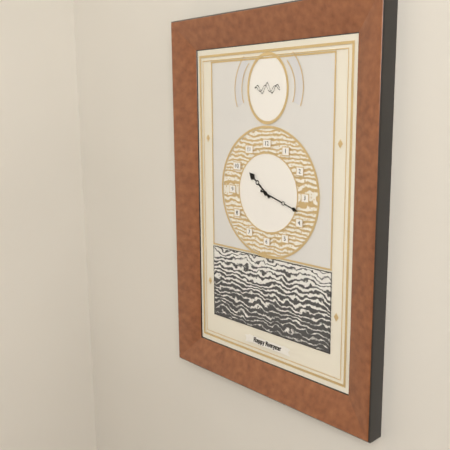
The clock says h=10 m=18
